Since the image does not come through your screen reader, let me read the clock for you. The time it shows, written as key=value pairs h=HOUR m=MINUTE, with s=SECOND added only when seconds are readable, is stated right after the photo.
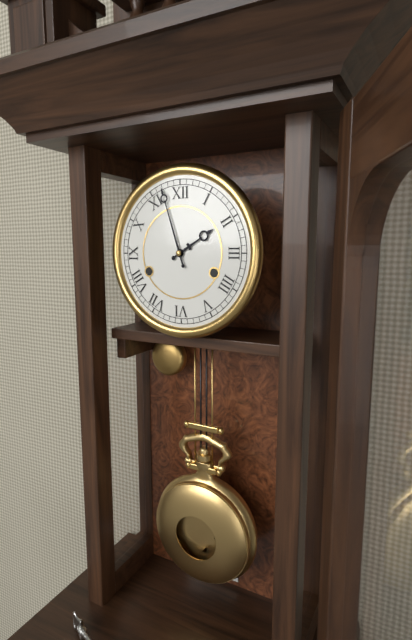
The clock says h=1 m=57
